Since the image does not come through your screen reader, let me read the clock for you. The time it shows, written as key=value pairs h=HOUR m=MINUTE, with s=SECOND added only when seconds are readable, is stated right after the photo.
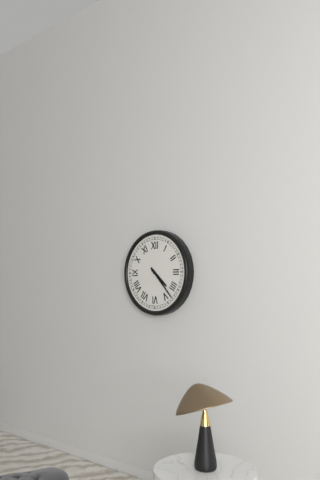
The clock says h=4 m=23
